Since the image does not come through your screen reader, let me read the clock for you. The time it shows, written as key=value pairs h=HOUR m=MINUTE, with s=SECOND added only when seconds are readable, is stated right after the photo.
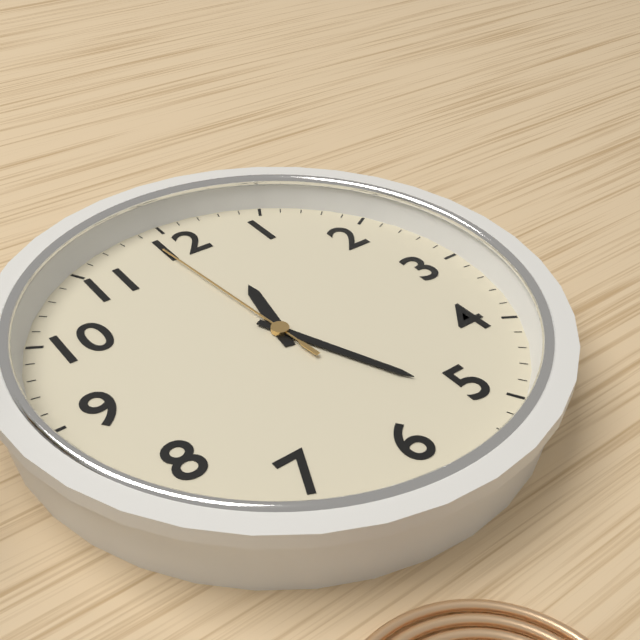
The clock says h=12 m=26 s=59
